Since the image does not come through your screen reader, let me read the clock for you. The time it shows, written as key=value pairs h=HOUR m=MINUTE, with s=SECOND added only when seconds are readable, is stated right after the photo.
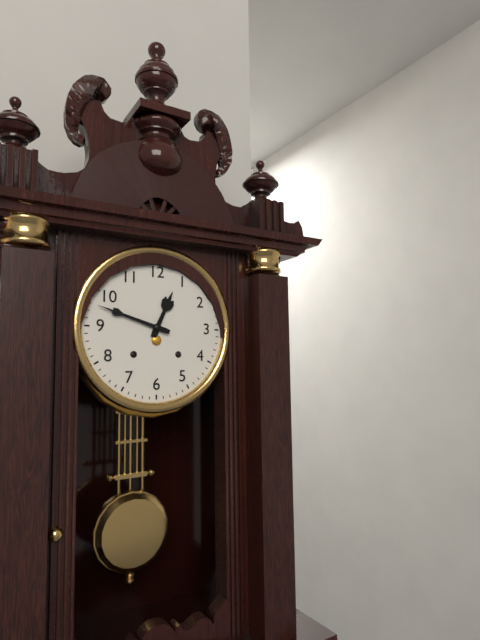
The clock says h=12 m=48
